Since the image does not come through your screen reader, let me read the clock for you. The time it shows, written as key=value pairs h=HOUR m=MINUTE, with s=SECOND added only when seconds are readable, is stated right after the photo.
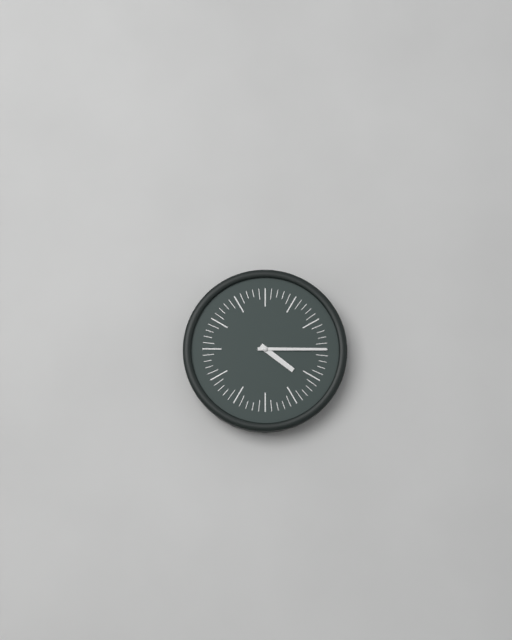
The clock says h=4 m=15
